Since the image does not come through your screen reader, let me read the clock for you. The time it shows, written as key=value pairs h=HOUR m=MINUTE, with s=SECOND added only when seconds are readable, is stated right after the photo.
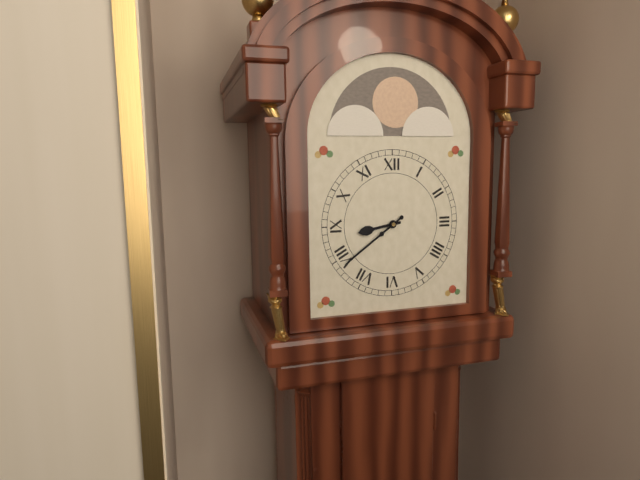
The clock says h=8 m=39
